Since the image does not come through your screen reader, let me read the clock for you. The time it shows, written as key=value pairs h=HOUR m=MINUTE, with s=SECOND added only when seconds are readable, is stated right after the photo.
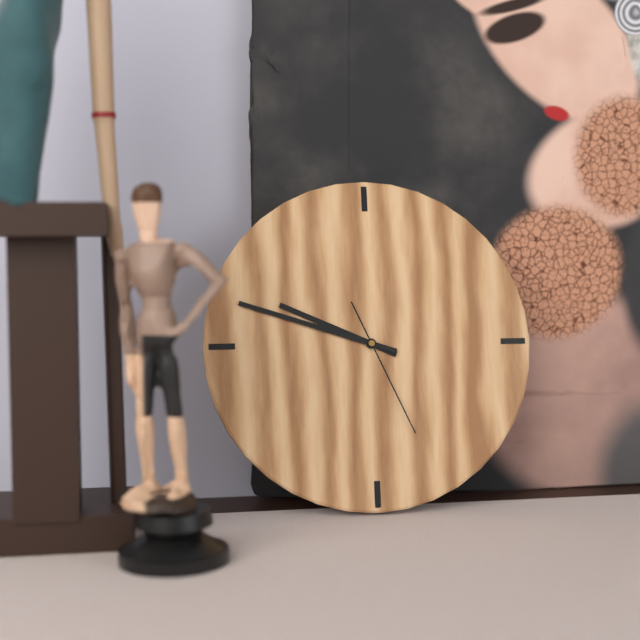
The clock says h=9 m=48 s=26
